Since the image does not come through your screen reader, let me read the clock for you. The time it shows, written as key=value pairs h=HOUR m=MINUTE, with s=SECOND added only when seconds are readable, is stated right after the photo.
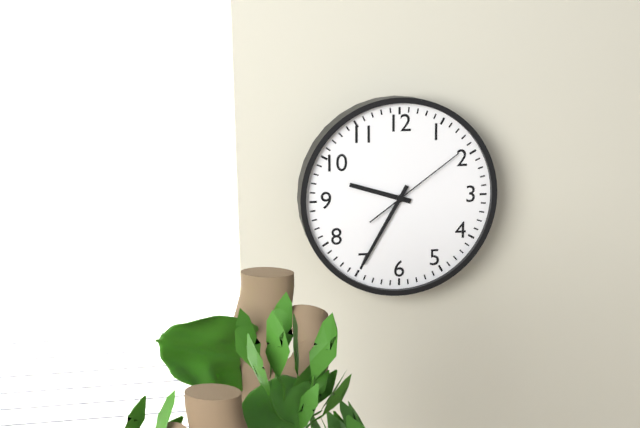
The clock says h=9 m=35 s=9
